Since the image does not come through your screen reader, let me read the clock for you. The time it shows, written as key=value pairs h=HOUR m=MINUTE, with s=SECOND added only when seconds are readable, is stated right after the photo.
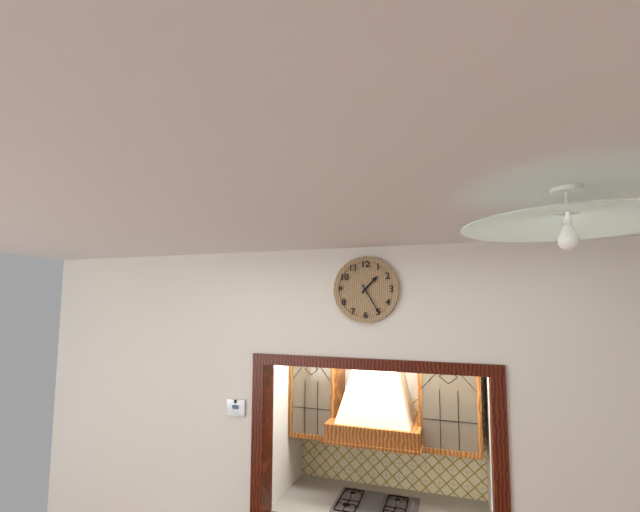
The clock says h=1 m=25
